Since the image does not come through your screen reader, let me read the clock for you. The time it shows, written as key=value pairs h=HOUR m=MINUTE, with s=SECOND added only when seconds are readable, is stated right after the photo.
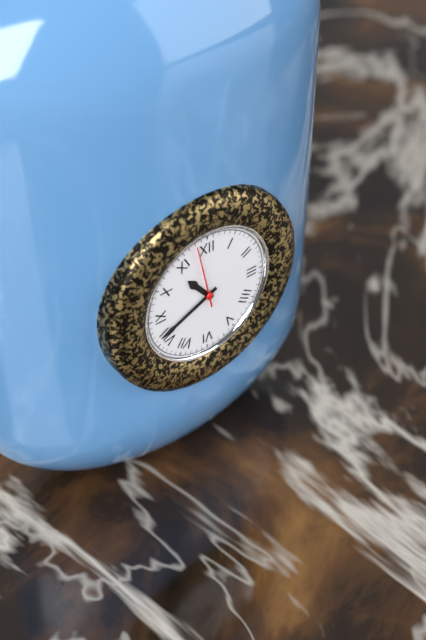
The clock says h=10 m=41 s=58
